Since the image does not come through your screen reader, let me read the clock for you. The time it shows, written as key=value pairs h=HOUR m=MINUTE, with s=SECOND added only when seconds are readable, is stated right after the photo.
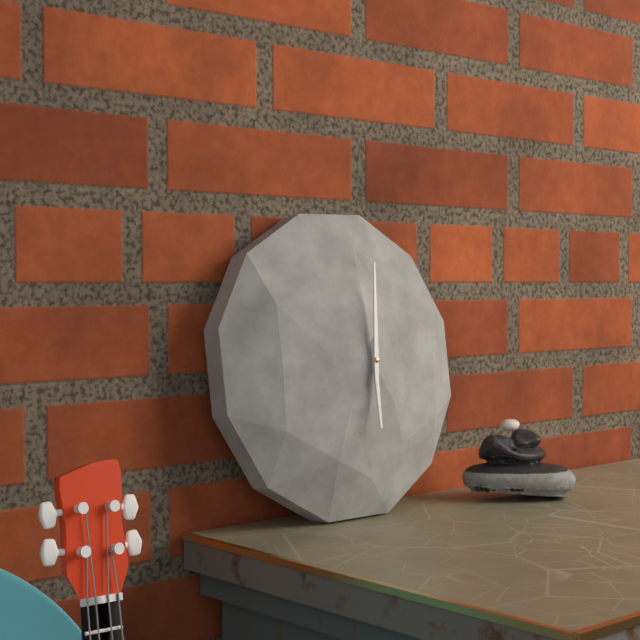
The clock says h=6 m=1
